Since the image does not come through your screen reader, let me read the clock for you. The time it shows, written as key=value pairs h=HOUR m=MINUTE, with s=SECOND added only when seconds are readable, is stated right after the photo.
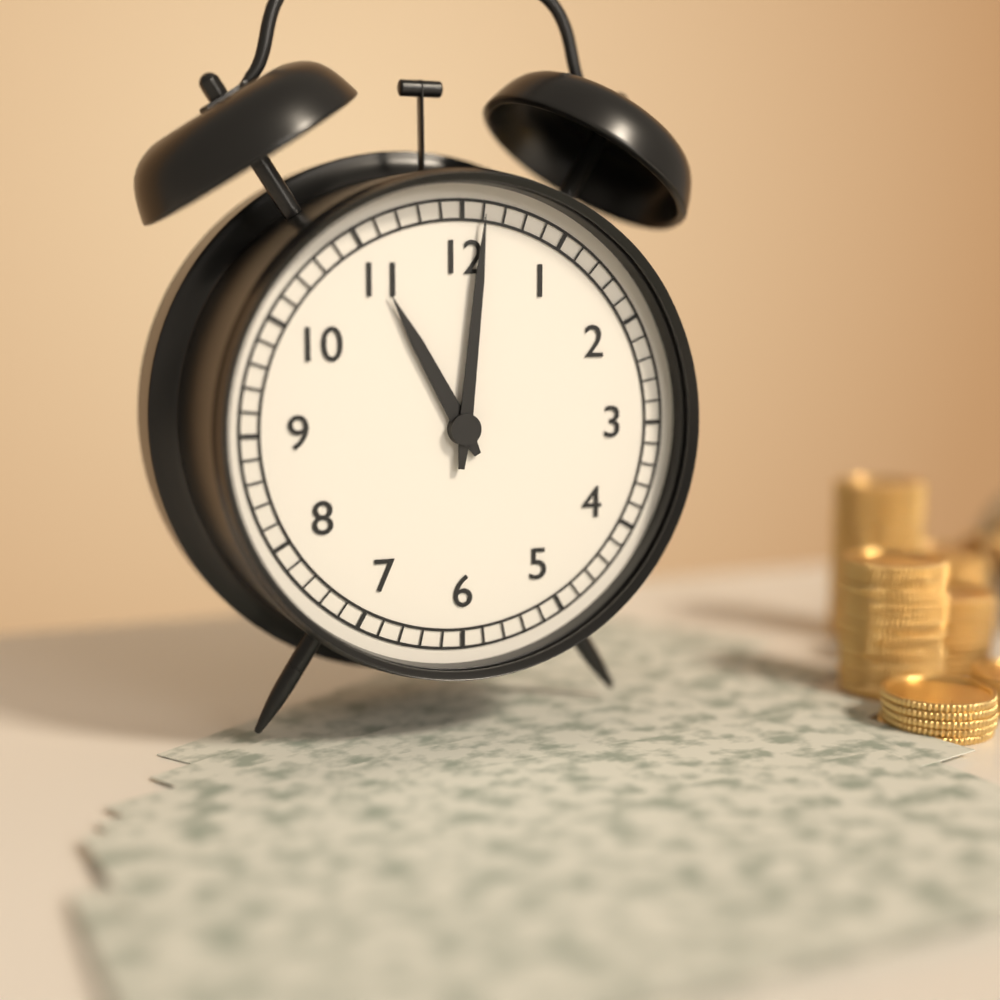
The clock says h=11 m=1
